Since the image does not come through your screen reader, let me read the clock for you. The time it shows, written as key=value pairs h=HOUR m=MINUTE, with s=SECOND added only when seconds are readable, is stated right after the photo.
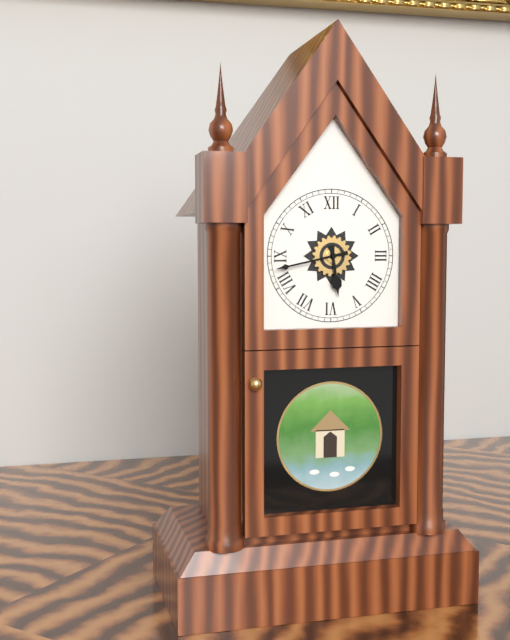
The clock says h=5 m=43
